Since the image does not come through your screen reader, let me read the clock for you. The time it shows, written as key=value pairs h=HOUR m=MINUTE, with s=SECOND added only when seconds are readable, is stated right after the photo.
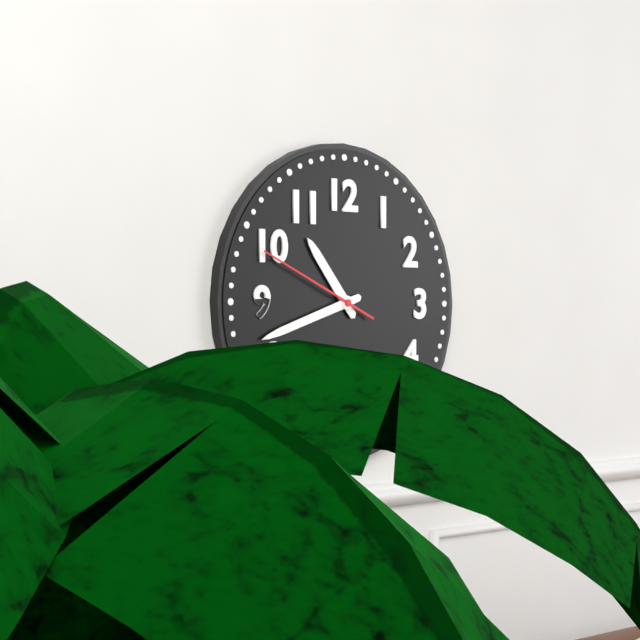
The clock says h=10 m=42 s=49
